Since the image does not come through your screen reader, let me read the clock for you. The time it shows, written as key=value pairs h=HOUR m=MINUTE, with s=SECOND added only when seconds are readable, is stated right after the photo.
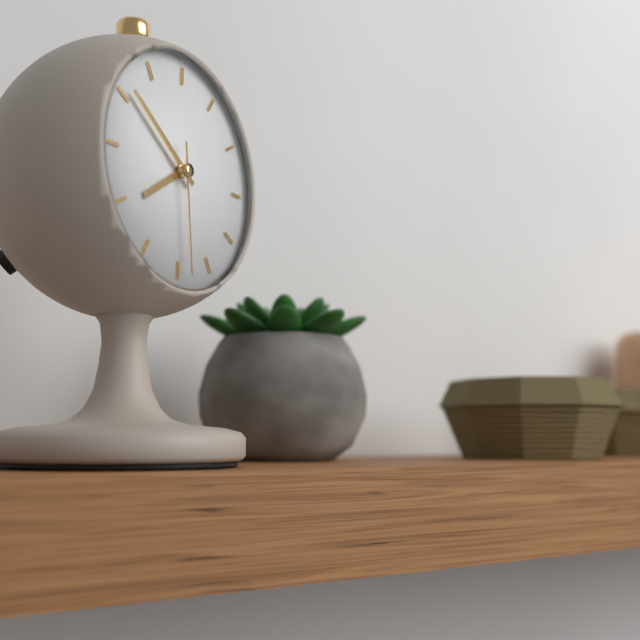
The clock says h=7 m=51 s=29
